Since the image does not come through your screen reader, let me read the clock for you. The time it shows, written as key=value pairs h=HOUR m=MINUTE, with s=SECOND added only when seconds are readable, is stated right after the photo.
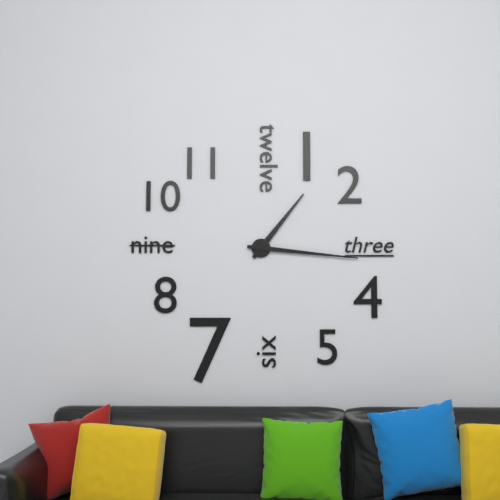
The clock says h=1 m=16
